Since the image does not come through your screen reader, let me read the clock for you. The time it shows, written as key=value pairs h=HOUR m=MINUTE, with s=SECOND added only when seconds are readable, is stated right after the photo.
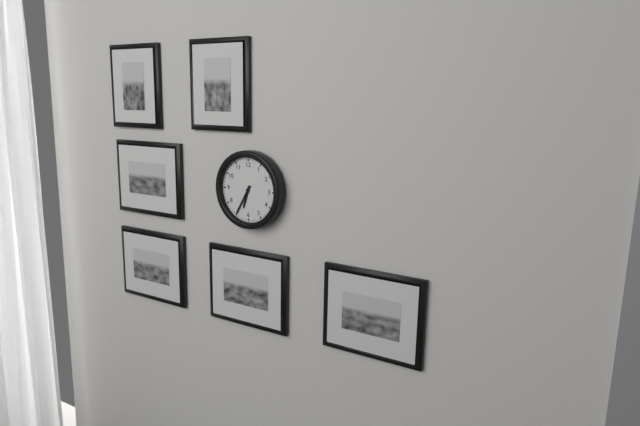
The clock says h=6 m=35
